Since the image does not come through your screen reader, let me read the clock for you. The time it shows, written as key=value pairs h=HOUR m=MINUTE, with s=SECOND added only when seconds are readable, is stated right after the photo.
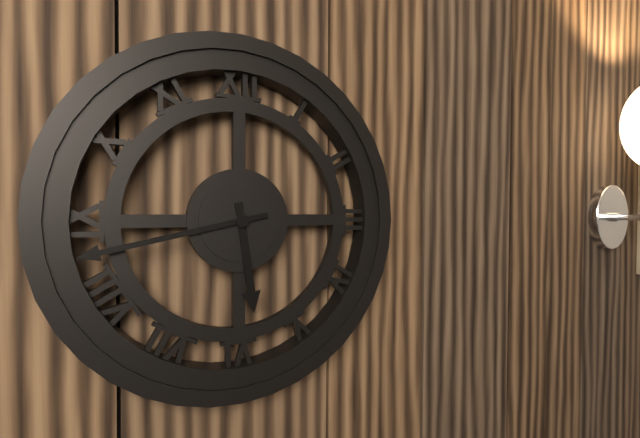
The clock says h=5 m=43
